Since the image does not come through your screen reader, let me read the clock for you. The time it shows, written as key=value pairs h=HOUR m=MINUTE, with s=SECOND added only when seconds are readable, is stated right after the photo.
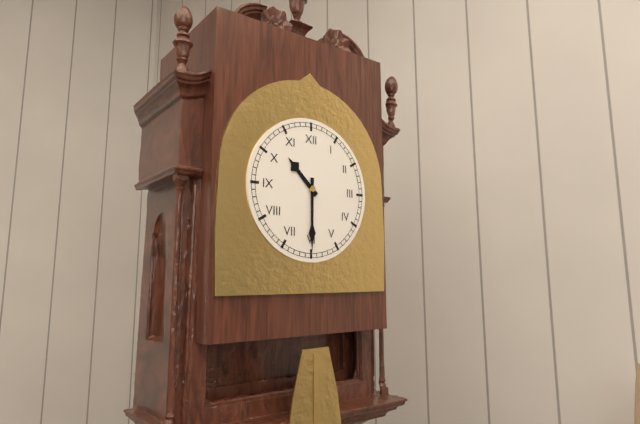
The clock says h=10 m=30
